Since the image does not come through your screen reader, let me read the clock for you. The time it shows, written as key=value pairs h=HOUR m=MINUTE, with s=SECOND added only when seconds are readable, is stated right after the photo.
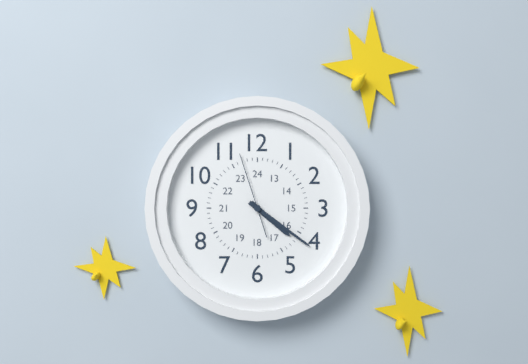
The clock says h=4 m=21 s=57
